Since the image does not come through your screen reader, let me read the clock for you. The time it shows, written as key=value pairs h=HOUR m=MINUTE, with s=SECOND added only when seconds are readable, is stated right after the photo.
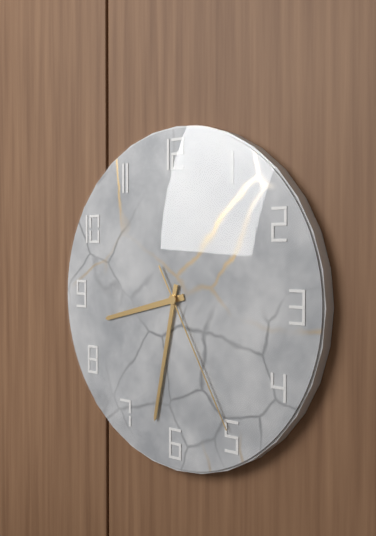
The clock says h=8 m=32 s=25
